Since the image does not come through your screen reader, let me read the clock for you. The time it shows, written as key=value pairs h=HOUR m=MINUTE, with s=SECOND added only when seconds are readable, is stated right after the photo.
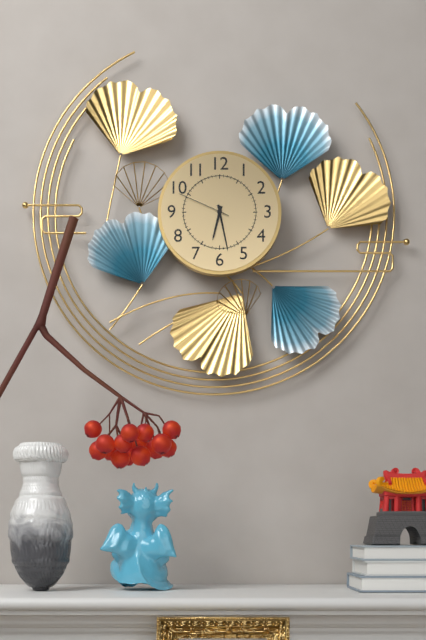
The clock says h=6 m=28 s=49
